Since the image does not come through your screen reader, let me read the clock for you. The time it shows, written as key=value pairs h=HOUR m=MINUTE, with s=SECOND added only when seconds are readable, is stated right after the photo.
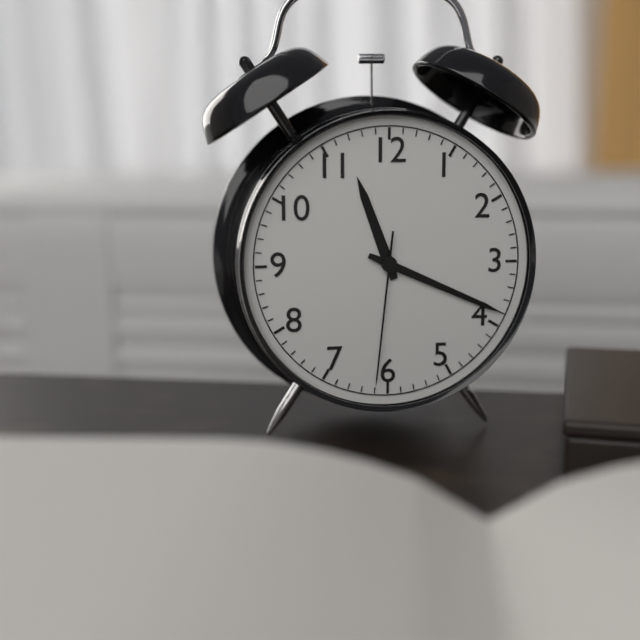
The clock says h=11 m=19 s=31
